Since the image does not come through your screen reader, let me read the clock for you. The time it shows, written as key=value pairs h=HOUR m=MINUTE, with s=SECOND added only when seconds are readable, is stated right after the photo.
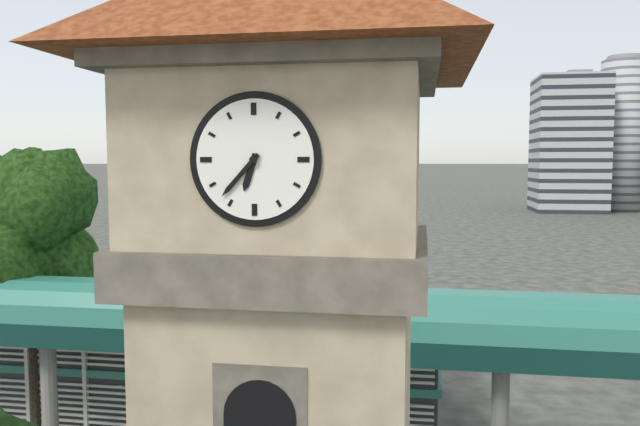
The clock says h=6 m=37
